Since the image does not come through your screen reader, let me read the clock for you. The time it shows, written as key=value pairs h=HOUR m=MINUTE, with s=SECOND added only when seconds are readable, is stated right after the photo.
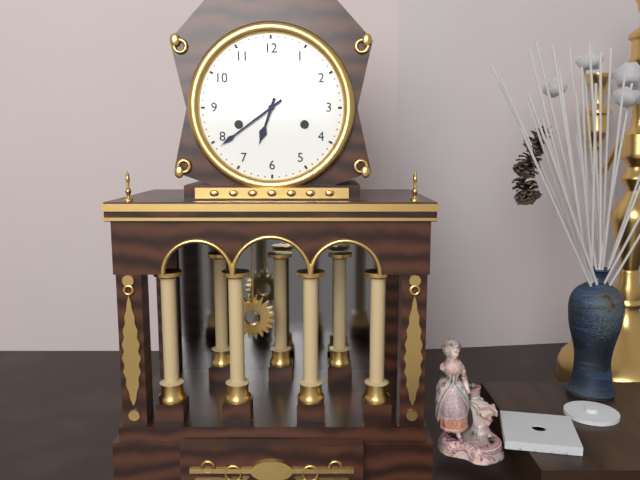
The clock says h=6 m=39
